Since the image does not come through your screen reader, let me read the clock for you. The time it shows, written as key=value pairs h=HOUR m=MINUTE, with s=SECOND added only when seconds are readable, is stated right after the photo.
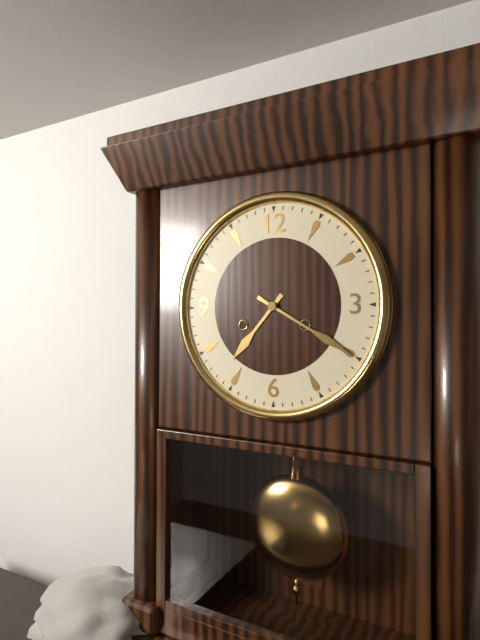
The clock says h=7 m=20
